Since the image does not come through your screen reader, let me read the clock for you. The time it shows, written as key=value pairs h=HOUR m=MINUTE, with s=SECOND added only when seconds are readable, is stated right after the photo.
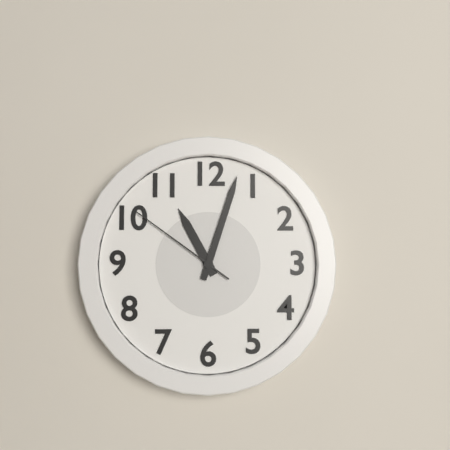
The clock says h=11 m=3 s=51
